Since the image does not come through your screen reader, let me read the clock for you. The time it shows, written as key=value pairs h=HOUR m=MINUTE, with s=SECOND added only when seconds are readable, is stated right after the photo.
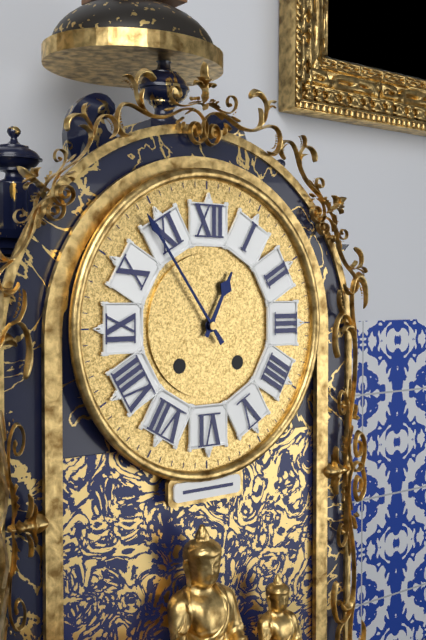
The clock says h=12 m=54
